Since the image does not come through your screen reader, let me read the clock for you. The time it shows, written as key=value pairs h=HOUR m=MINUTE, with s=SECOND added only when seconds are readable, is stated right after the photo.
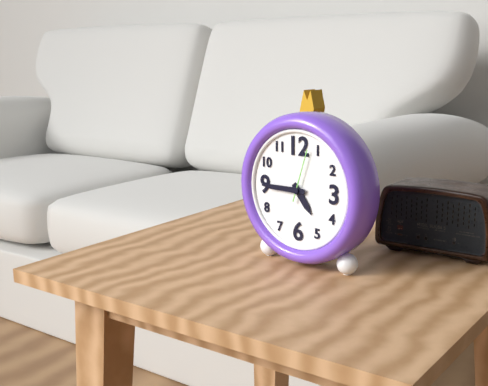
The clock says h=4 m=45 s=3
